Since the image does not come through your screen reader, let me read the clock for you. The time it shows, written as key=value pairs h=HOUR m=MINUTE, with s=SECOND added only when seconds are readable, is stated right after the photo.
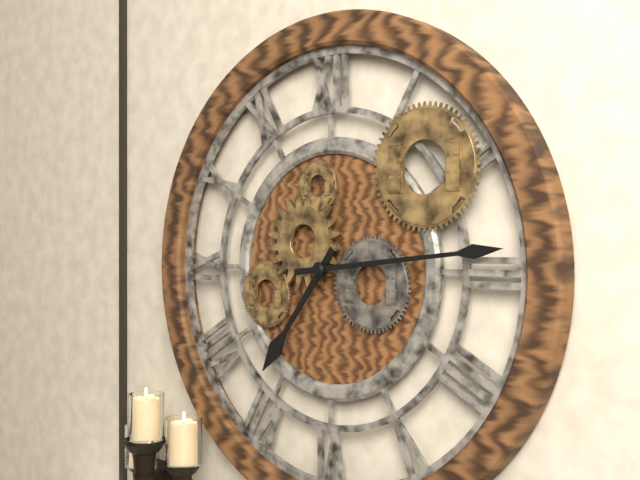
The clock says h=7 m=14
